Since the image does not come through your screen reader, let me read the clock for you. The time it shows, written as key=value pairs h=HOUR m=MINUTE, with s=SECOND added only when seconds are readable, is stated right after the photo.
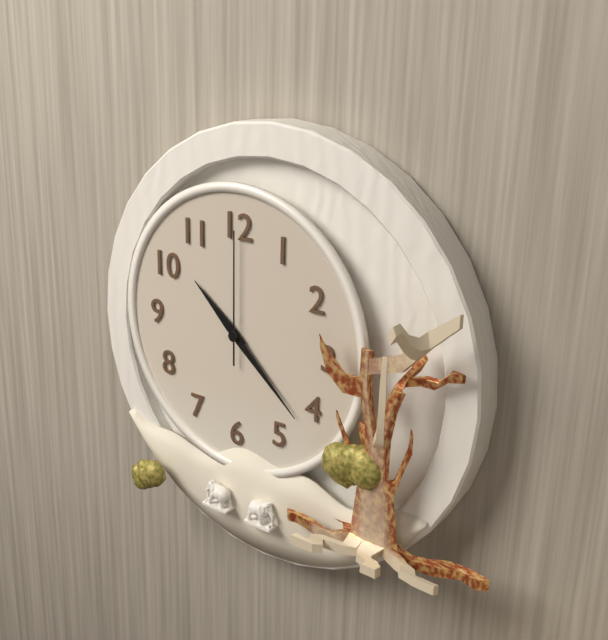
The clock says h=10 m=22 s=0
